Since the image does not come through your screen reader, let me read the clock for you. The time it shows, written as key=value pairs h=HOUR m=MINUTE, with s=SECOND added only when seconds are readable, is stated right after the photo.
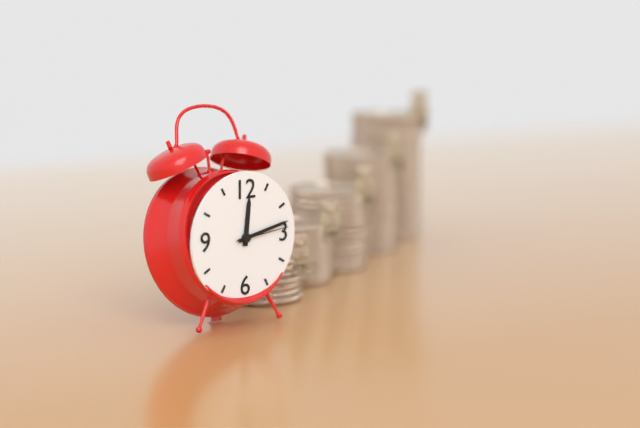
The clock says h=12 m=13 s=14
